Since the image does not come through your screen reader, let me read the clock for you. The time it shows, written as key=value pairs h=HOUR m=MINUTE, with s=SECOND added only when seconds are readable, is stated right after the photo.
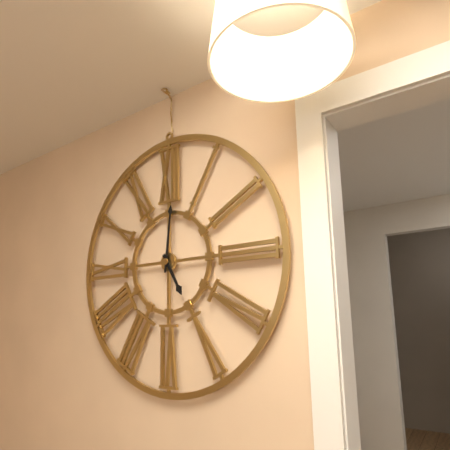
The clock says h=5 m=1
